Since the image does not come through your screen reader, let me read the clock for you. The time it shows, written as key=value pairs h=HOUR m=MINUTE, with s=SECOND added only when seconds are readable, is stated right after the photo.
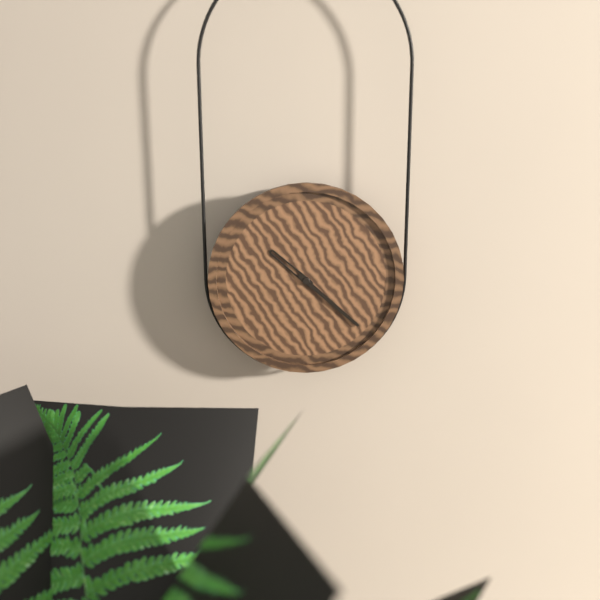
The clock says h=10 m=22
